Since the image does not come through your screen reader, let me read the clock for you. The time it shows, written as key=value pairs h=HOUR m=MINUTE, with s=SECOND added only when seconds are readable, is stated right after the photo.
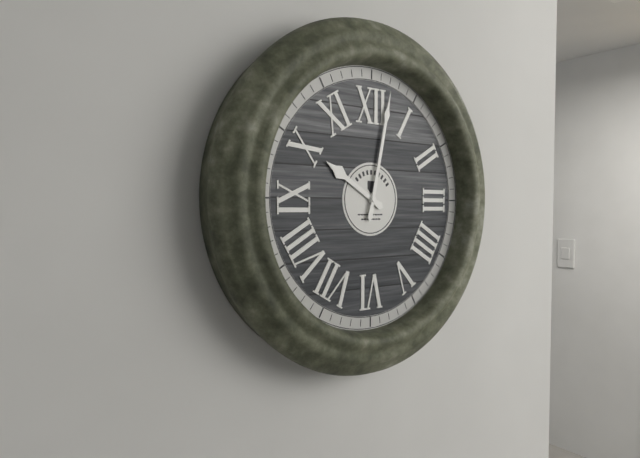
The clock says h=10 m=2
